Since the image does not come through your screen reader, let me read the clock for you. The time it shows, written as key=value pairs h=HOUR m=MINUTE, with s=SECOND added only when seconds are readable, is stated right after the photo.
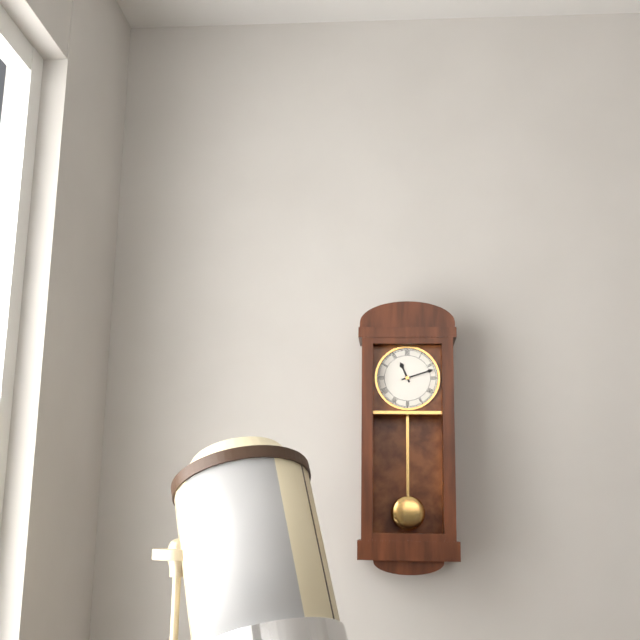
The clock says h=11 m=12
